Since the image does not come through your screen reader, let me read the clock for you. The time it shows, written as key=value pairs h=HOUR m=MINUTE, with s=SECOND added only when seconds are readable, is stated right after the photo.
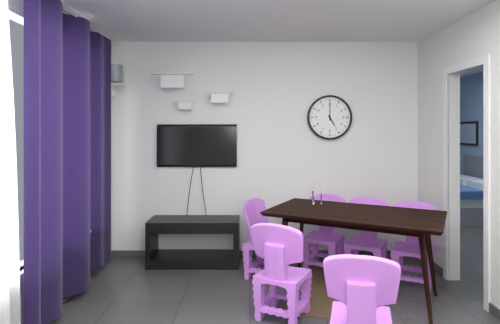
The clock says h=5 m=0
